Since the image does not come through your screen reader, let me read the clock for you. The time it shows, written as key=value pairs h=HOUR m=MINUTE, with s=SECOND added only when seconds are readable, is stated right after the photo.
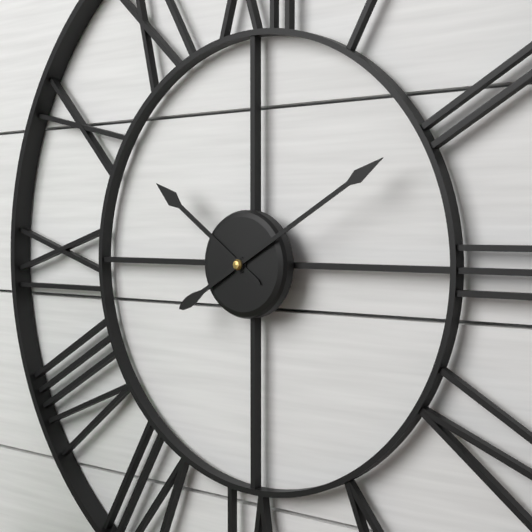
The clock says h=10 m=10
